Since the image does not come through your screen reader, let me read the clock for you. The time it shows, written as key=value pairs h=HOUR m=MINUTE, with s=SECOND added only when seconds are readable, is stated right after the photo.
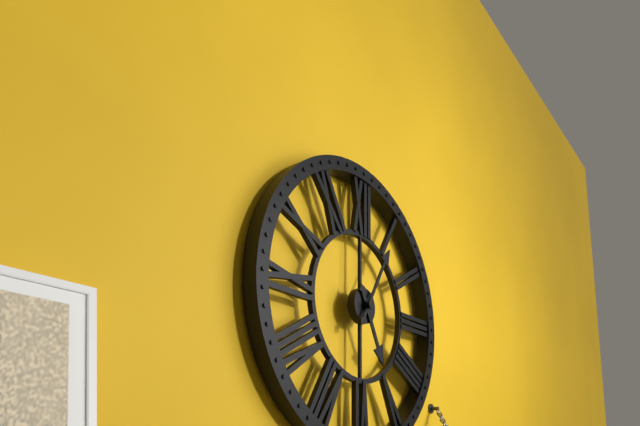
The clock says h=5 m=5
